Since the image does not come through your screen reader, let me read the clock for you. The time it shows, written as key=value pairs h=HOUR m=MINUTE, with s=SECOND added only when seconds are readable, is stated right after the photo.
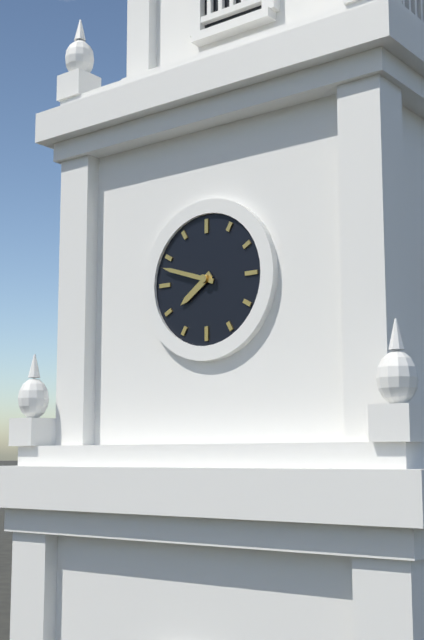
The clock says h=7 m=48
